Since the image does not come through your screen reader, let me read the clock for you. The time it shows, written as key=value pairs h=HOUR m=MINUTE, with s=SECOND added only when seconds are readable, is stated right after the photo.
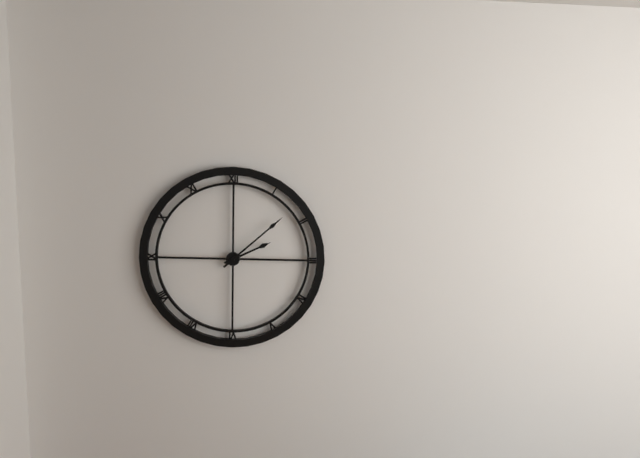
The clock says h=2 m=8
